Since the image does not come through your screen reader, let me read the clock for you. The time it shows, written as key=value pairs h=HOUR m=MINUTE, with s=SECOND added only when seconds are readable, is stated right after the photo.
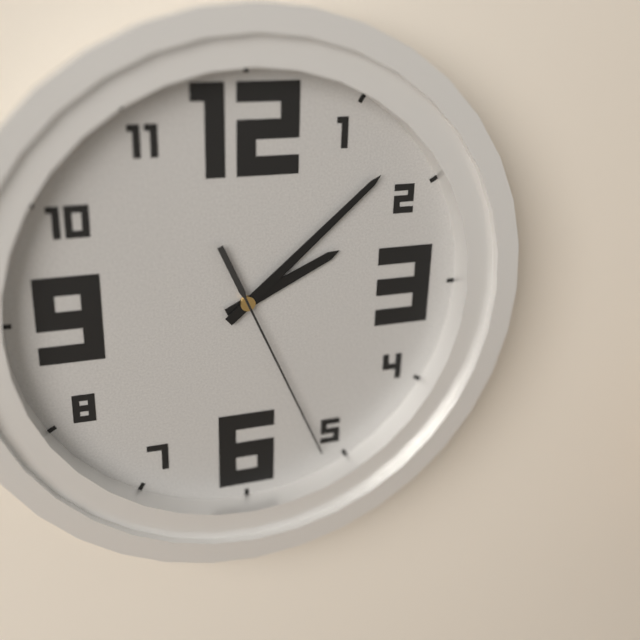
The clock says h=2 m=8 s=26
